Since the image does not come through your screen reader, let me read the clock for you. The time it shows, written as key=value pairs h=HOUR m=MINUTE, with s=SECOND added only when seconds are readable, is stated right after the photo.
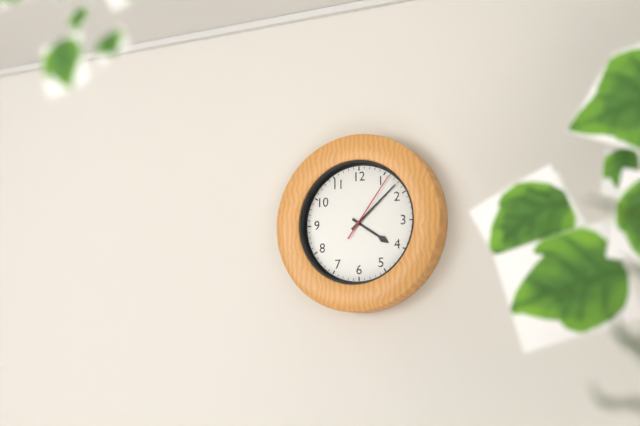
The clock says h=4 m=8 s=6
